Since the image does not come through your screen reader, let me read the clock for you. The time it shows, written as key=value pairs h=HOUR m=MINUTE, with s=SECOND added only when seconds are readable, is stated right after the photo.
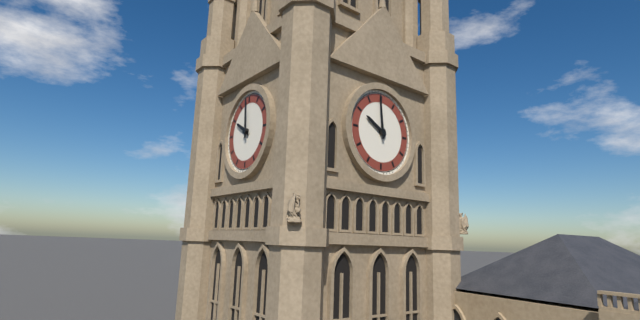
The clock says h=9 m=59
